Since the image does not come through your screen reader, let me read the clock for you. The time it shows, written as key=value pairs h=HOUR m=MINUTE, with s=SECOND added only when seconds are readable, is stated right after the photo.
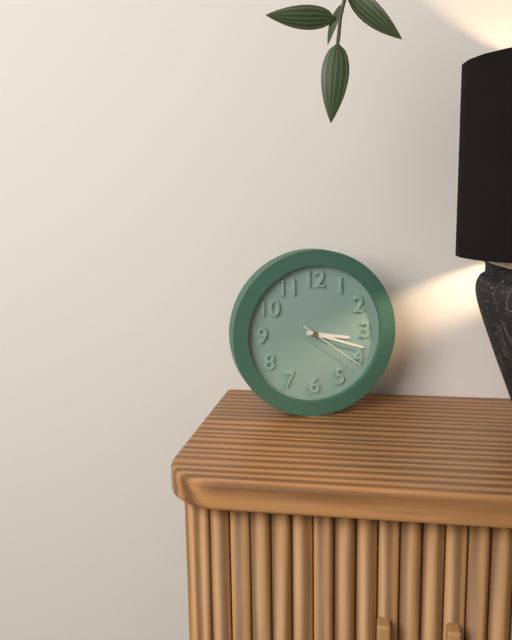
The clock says h=3 m=18 s=21
